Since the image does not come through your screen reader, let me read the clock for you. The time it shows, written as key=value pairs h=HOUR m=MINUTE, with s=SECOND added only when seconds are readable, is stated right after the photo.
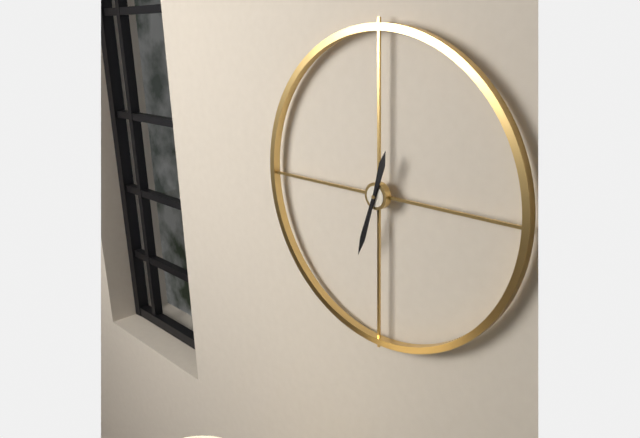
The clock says h=12 m=33
